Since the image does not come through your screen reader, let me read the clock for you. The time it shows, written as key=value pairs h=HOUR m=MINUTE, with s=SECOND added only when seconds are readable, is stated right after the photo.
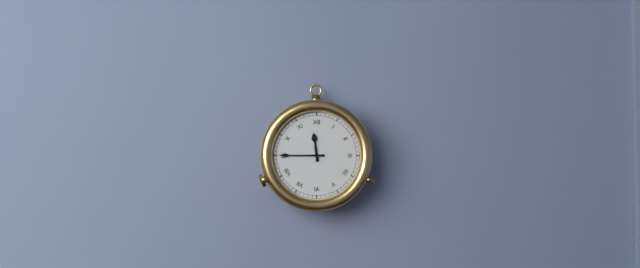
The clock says h=11 m=45
